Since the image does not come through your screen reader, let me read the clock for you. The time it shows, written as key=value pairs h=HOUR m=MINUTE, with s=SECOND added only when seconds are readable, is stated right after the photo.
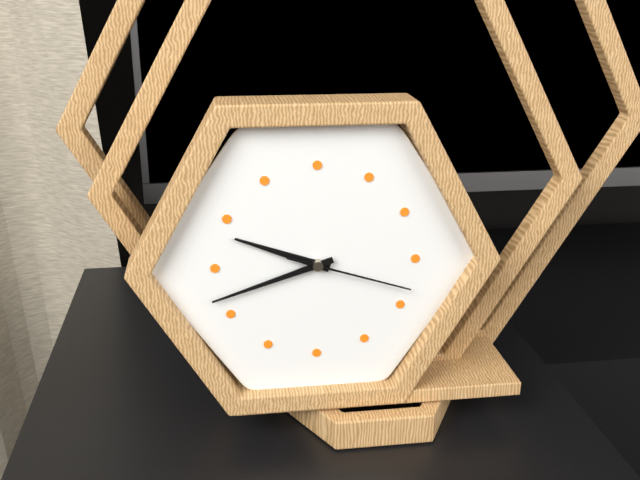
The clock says h=9 m=42 s=18
